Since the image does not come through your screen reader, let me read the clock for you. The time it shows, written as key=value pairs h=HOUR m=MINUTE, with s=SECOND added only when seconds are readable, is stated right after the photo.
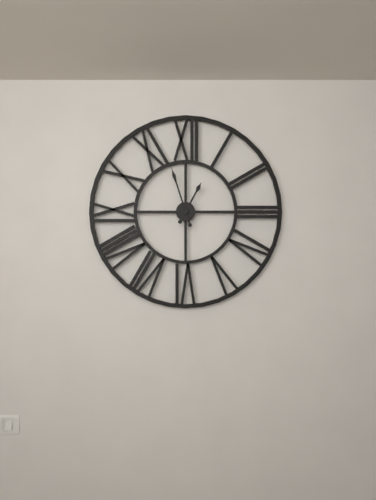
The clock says h=12 m=57
